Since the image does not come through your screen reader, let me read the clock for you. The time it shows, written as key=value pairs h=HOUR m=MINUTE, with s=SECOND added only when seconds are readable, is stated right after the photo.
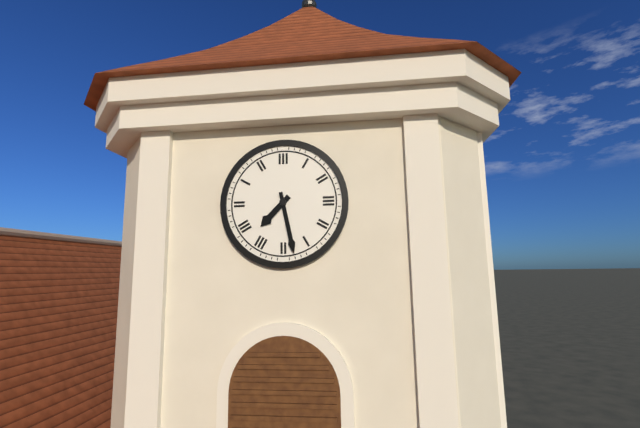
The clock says h=7 m=28
